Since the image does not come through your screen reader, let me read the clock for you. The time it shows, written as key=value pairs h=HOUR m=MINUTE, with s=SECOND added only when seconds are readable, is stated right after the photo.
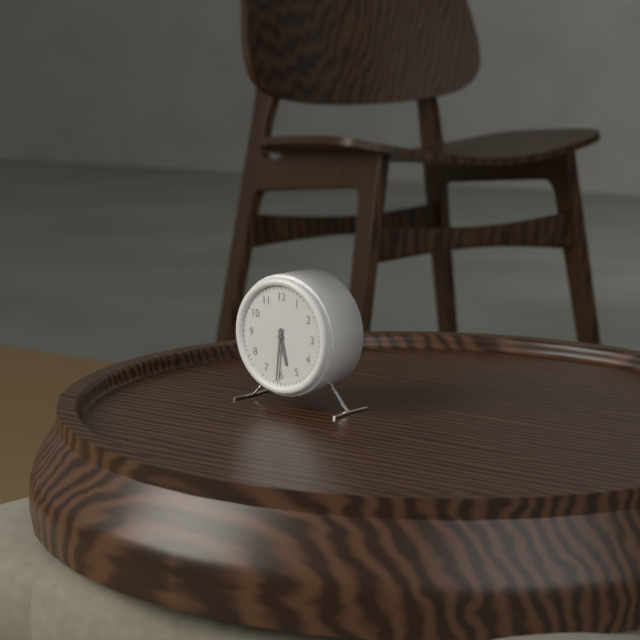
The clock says h=5 m=31
